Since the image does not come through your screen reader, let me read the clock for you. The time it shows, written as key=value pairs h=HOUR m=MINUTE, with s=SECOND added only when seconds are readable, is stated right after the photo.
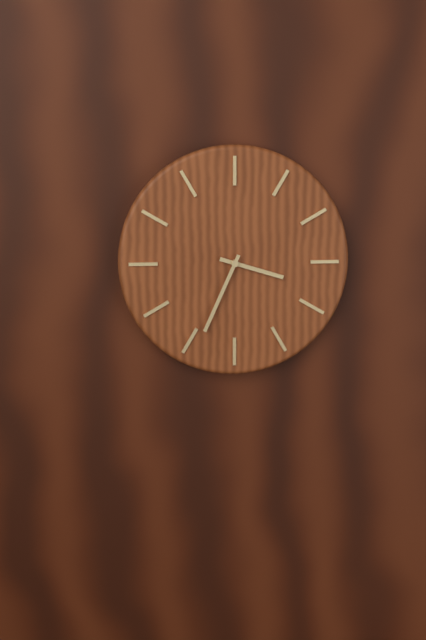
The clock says h=3 m=34
